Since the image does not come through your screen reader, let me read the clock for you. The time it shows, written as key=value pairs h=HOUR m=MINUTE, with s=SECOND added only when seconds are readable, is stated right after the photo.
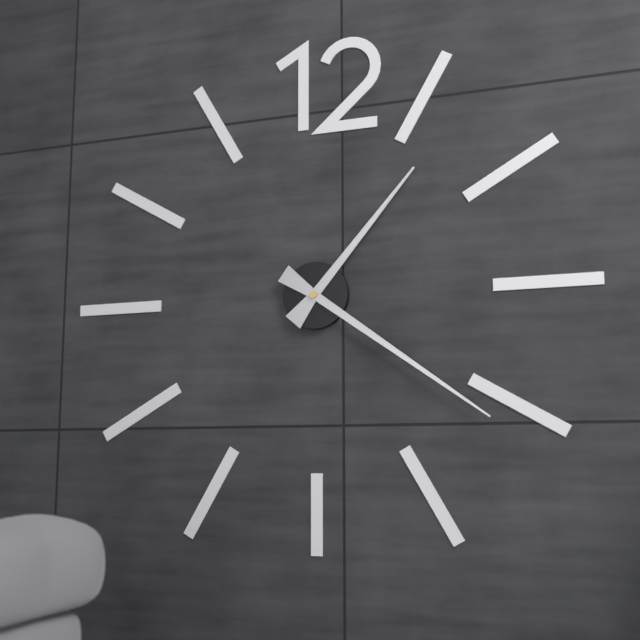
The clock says h=1 m=21
